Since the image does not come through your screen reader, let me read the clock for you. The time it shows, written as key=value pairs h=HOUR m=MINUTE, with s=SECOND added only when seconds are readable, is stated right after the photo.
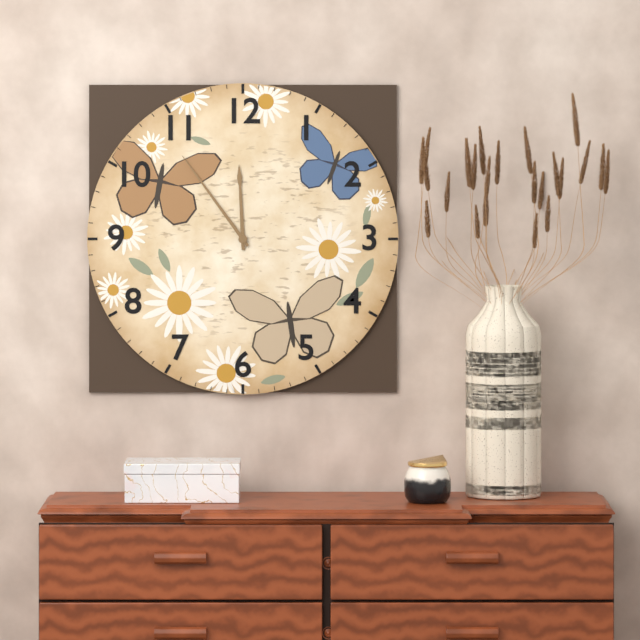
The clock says h=11 m=54
